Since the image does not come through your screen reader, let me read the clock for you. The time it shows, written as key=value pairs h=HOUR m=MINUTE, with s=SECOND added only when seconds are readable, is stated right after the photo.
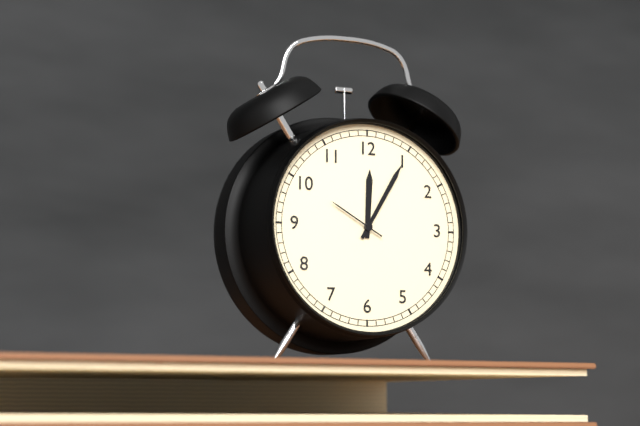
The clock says h=12 m=5 s=50
